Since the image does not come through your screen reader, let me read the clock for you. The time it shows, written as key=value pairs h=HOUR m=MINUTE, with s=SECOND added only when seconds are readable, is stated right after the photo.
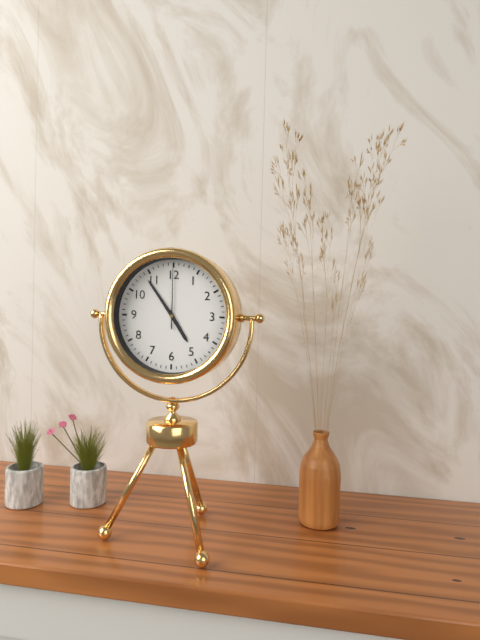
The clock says h=4 m=54 s=0
